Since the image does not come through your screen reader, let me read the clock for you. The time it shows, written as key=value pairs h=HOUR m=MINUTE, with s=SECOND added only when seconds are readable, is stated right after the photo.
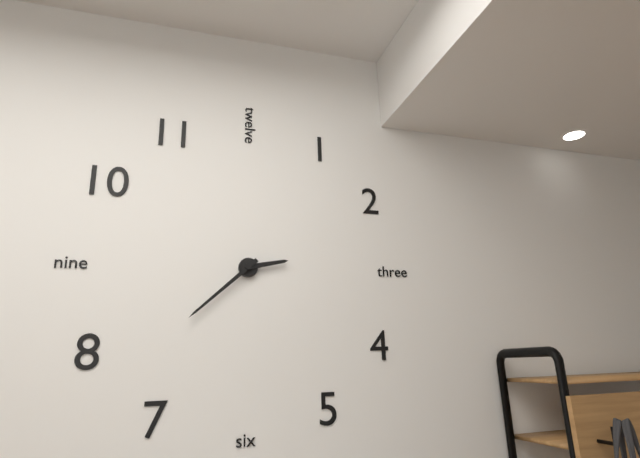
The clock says h=2 m=38
